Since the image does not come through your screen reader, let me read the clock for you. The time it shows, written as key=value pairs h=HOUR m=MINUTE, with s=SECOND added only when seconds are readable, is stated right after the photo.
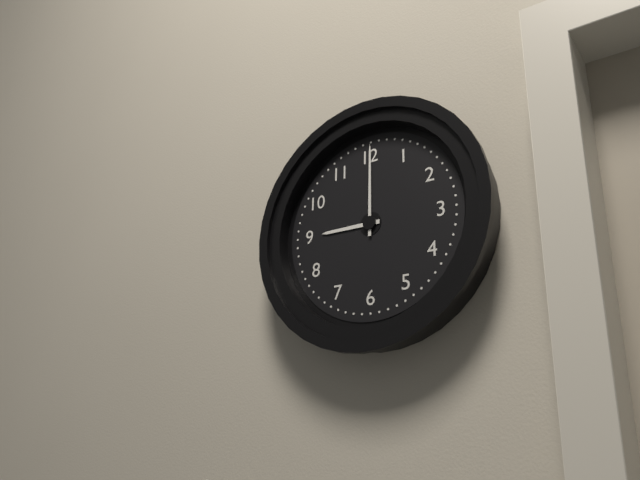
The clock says h=9 m=0
